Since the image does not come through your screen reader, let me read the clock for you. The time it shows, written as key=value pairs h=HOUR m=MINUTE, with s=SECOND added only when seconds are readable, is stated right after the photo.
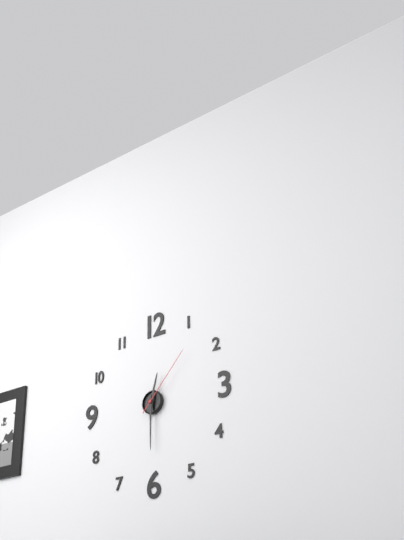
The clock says h=12 m=30 s=7
